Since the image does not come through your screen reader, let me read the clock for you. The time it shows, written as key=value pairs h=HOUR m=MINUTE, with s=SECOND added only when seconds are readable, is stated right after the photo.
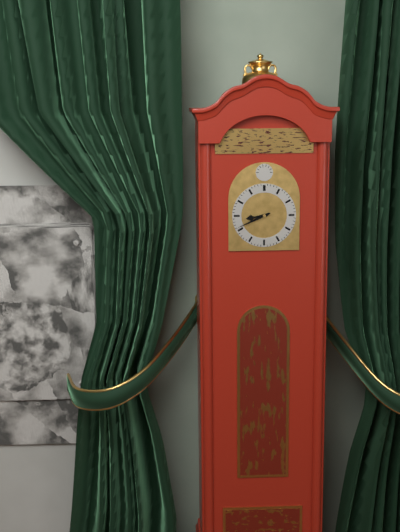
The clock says h=8 m=41
